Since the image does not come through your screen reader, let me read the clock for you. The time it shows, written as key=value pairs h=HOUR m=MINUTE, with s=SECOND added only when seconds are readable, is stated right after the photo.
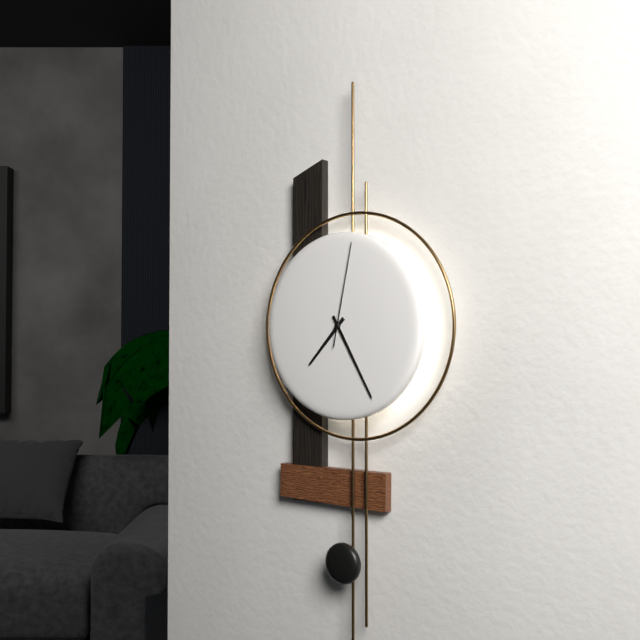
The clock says h=7 m=25 s=2
